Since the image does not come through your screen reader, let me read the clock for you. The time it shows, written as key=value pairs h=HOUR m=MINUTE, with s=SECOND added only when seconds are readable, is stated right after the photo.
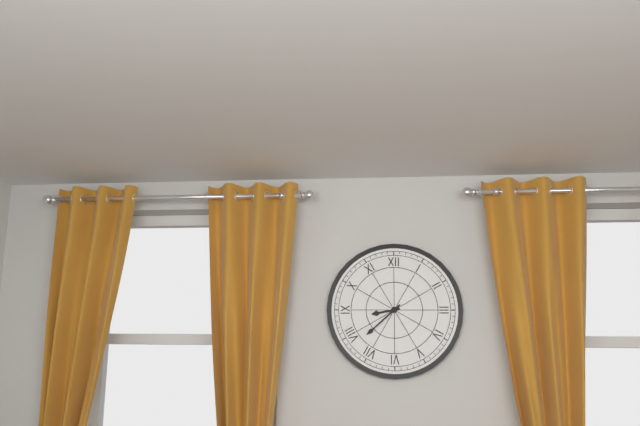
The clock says h=8 m=38
